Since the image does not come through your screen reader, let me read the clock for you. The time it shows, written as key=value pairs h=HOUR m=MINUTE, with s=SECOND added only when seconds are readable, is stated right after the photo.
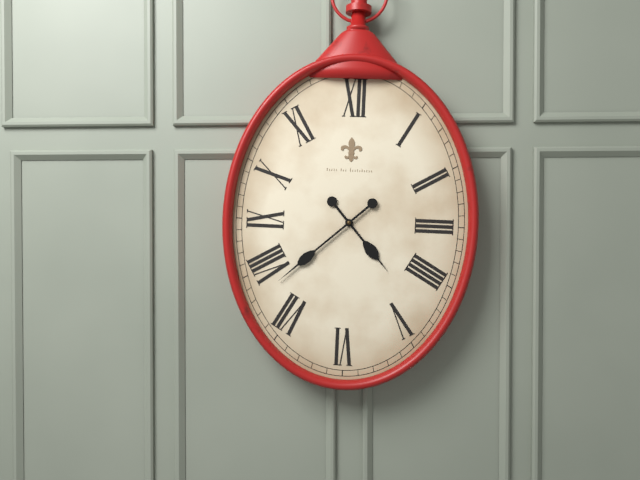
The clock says h=4 m=38
